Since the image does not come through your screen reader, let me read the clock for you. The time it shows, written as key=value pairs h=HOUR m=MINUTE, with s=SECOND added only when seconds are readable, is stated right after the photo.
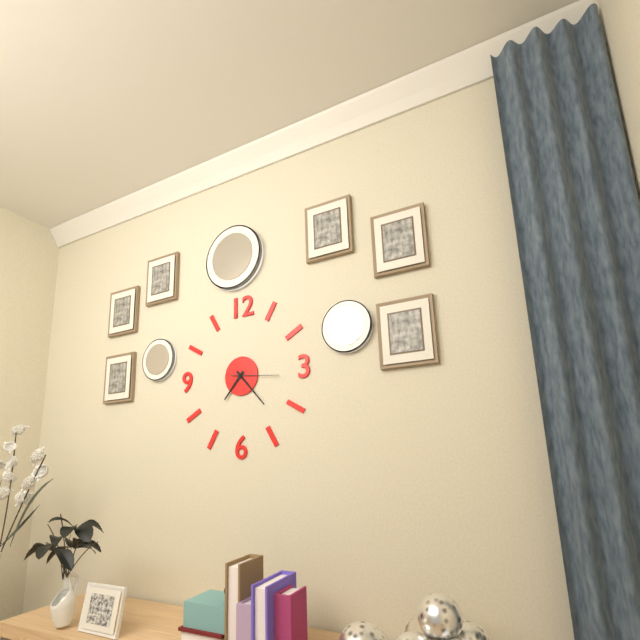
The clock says h=7 m=23
